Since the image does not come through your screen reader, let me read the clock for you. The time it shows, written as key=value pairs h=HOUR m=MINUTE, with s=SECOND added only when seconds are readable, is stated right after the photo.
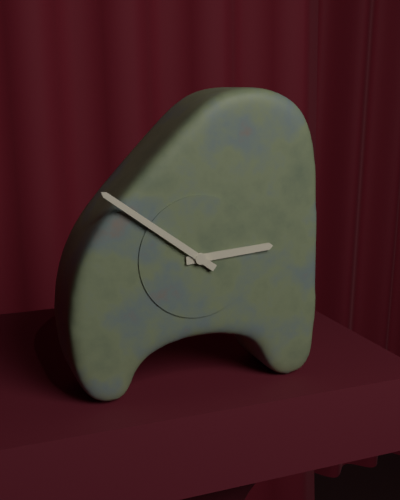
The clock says h=2 m=51
